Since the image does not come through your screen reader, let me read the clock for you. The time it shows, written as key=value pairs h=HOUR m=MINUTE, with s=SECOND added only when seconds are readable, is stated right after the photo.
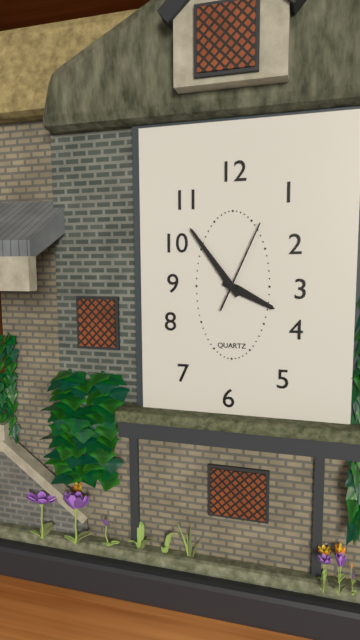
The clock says h=3 m=54 s=4
